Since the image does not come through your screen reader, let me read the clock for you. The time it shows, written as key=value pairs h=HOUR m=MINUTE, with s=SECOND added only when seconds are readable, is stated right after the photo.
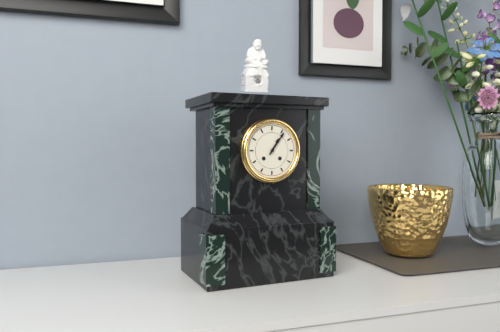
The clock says h=1 m=6
